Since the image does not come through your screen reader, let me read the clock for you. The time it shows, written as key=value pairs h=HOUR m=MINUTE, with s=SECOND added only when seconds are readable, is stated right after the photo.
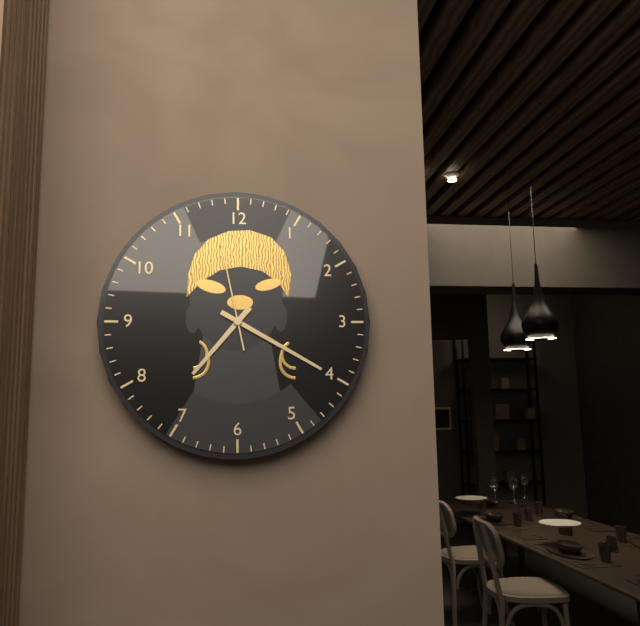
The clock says h=7 m=20 s=58
